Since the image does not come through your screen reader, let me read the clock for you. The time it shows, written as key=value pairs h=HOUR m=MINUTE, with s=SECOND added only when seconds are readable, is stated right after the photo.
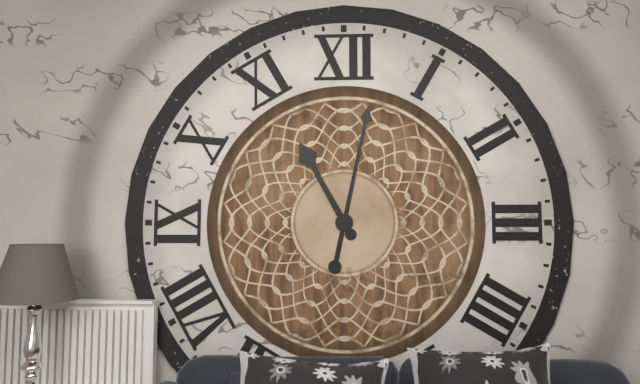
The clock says h=11 m=2
